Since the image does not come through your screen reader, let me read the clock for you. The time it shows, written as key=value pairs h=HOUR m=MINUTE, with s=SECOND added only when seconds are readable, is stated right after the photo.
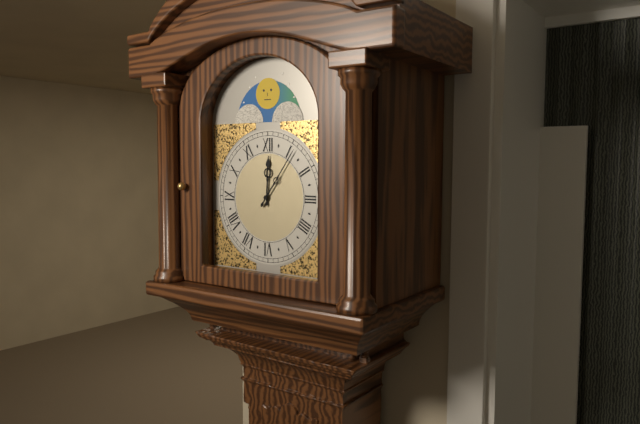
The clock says h=12 m=6
